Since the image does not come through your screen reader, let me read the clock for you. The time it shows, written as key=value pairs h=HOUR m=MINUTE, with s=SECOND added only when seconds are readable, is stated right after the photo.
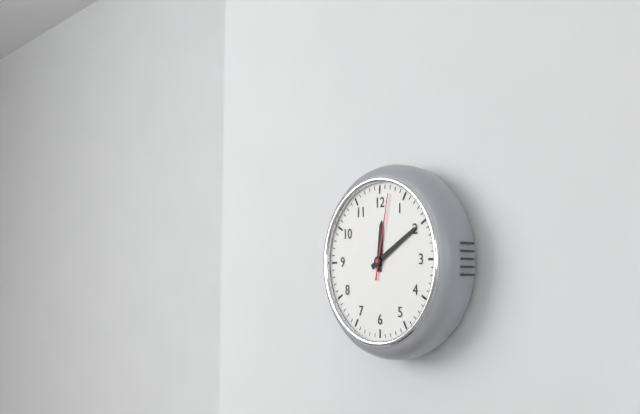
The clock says h=12 m=10 s=2
